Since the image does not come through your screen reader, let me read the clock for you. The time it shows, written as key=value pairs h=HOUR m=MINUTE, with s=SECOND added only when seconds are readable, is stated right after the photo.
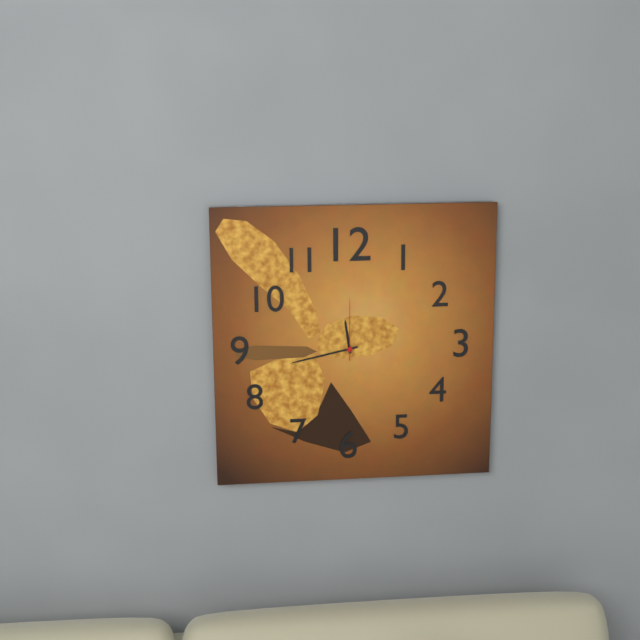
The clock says h=11 m=43 s=0
